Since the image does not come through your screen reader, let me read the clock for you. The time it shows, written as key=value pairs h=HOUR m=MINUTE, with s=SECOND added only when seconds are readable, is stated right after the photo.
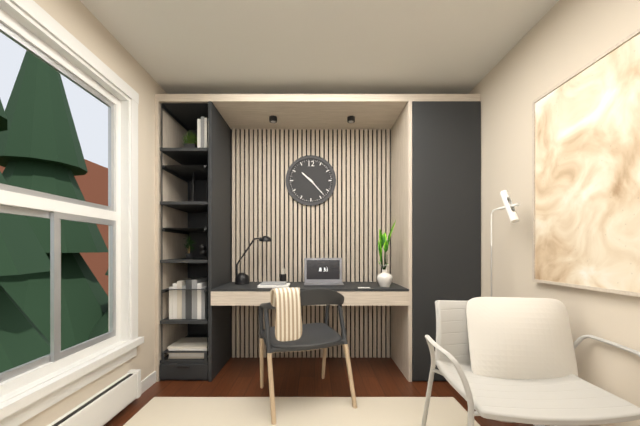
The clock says h=10 m=23
